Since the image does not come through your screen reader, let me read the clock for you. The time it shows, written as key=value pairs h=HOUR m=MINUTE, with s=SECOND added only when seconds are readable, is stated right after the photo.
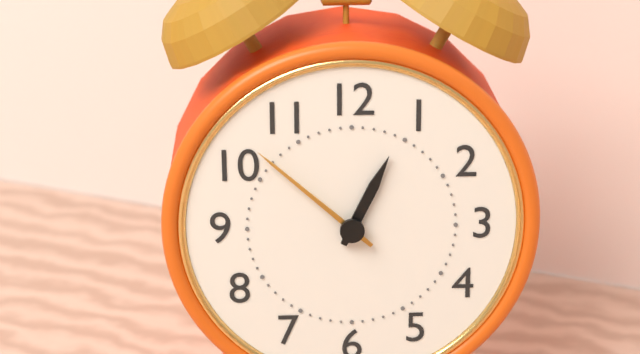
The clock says h=12 m=52
